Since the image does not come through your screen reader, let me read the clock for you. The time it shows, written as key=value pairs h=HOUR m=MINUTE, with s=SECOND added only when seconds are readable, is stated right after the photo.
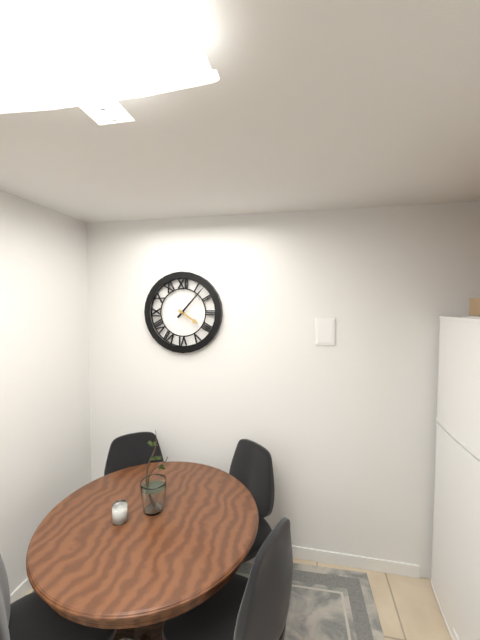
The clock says h=4 m=7
